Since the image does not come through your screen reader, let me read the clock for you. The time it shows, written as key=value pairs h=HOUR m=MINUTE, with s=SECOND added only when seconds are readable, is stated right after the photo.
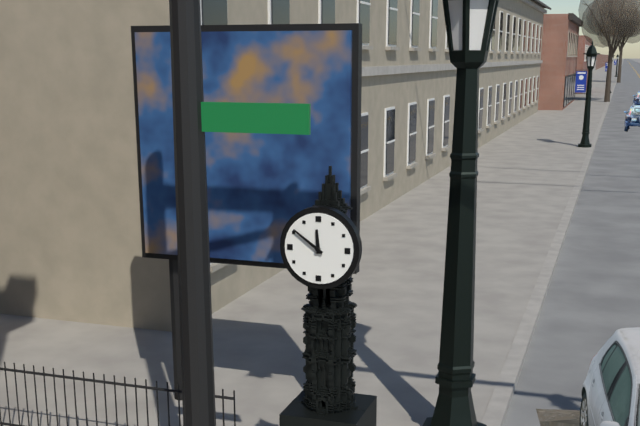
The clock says h=11 m=51
